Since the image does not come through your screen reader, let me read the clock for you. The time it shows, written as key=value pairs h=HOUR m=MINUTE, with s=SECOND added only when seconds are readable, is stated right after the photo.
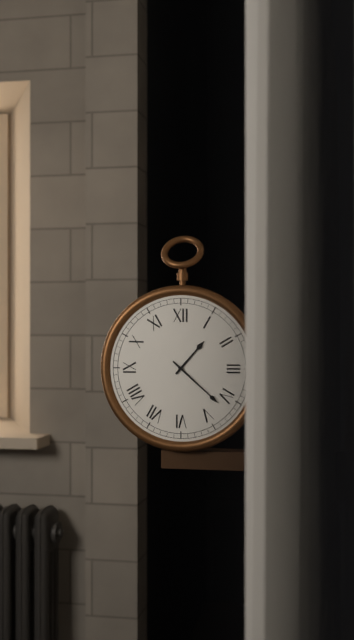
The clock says h=1 m=22
